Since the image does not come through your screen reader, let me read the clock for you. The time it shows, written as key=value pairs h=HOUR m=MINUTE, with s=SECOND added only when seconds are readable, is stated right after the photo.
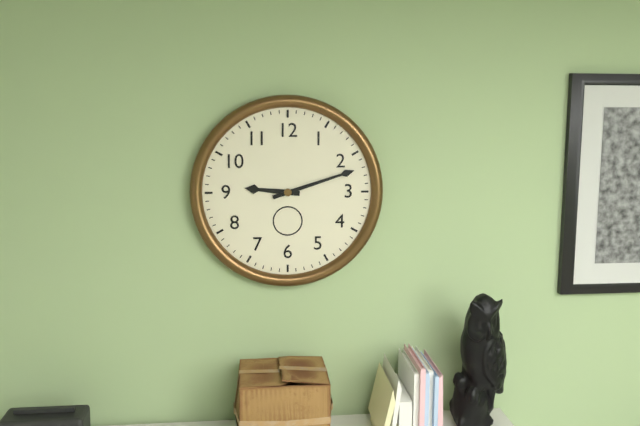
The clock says h=9 m=12
